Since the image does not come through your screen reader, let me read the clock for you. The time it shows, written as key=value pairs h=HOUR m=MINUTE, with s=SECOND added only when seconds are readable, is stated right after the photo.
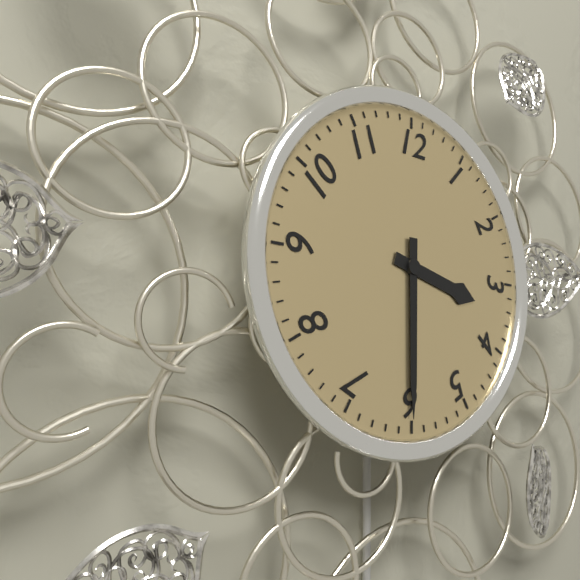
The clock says h=3 m=30
